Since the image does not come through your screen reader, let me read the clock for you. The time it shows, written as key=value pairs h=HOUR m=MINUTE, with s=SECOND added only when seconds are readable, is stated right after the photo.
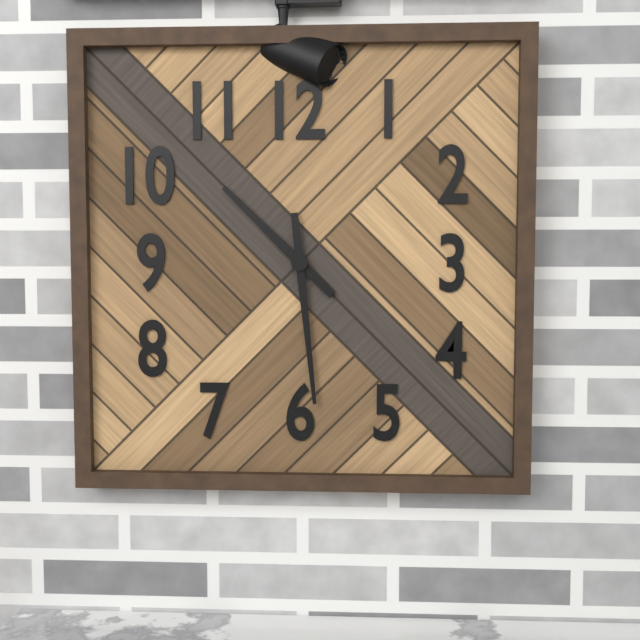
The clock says h=10 m=29
